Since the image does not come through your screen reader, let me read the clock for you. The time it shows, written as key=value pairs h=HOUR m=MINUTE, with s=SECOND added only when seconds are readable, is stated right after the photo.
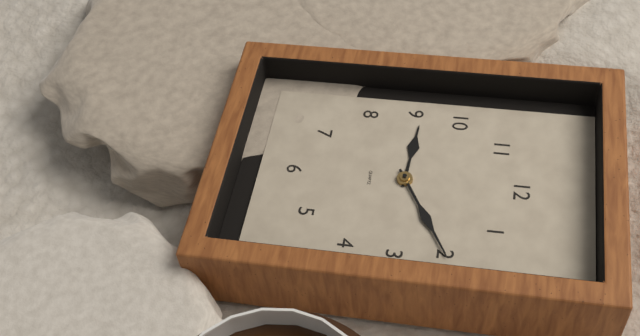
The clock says h=9 m=10
